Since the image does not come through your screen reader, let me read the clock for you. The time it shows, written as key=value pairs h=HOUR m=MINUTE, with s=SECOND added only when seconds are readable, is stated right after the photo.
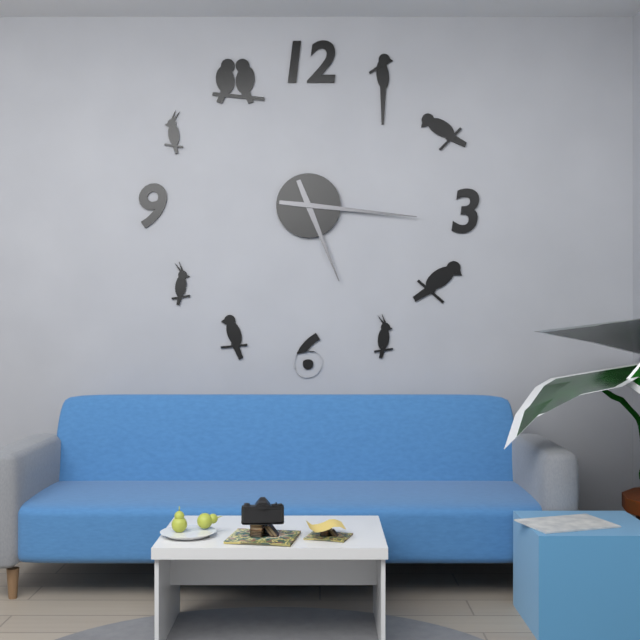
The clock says h=5 m=16
